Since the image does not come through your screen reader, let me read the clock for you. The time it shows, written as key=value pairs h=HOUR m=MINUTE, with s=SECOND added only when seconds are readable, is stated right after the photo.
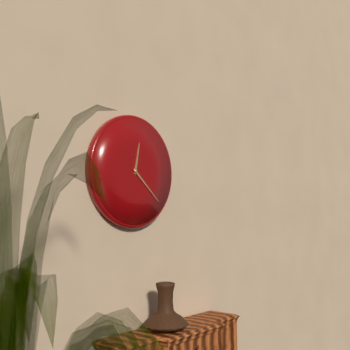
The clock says h=12 m=22
